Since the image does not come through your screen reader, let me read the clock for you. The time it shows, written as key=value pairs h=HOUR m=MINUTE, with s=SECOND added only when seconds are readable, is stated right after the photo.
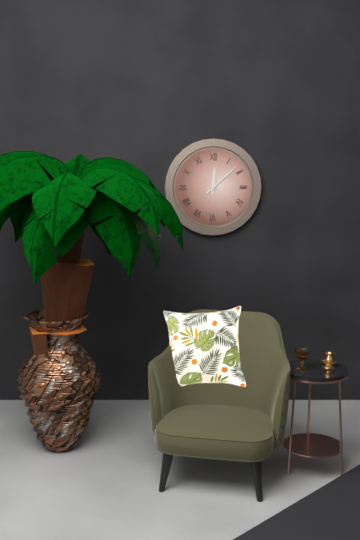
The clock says h=12 m=8
